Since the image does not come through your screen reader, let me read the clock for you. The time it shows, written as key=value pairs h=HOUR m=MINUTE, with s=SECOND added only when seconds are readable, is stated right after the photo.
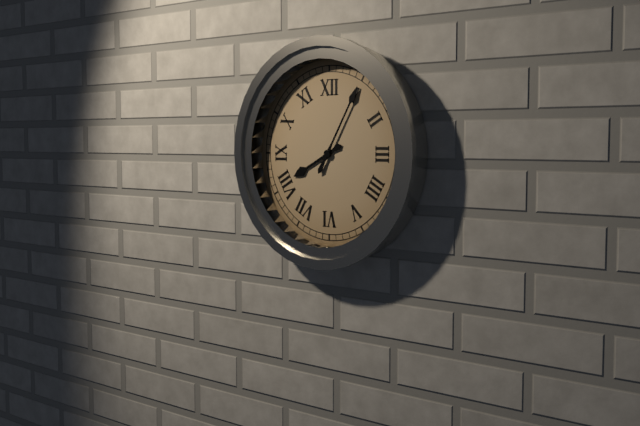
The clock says h=8 m=5
